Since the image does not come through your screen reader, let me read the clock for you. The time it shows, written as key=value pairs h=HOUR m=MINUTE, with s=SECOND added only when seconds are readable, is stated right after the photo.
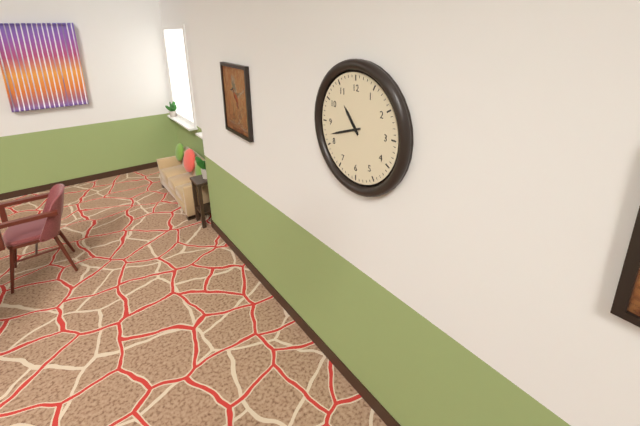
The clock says h=10 m=42
